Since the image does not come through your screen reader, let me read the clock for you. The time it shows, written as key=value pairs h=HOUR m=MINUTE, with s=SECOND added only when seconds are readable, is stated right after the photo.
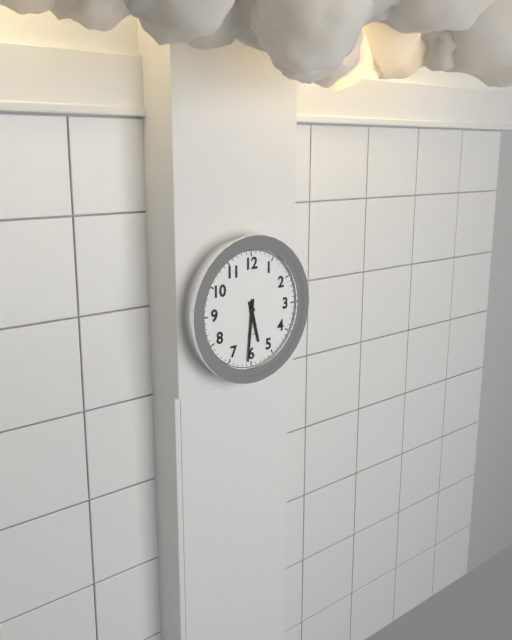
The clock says h=5 m=31
